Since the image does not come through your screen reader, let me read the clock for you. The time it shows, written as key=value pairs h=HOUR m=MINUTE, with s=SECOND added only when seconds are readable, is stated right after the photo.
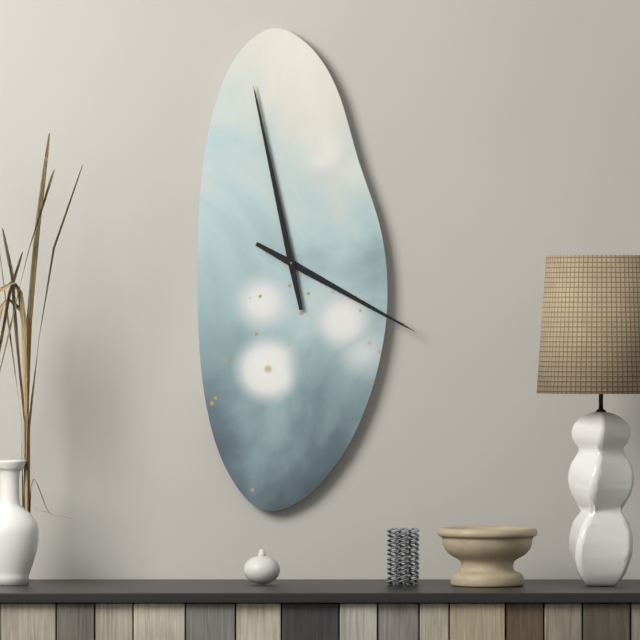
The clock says h=3 m=58
